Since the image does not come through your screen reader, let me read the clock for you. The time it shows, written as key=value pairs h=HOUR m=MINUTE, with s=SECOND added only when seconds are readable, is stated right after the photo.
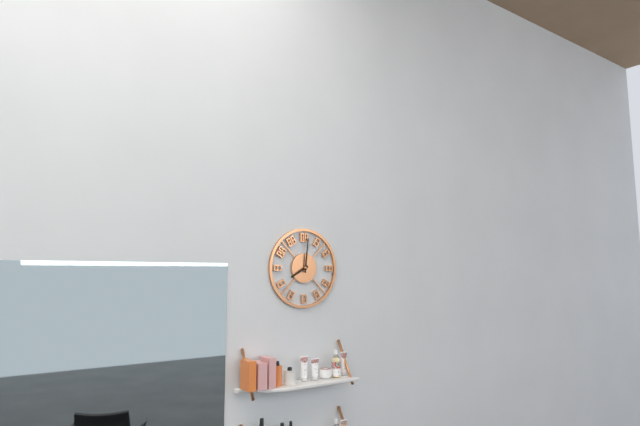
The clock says h=8 m=1
